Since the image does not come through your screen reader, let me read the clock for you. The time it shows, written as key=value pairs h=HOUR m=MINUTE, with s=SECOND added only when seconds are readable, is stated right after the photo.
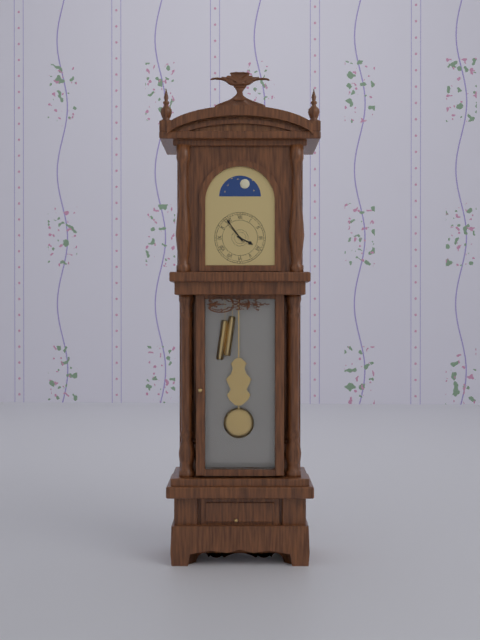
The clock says h=3 m=54
